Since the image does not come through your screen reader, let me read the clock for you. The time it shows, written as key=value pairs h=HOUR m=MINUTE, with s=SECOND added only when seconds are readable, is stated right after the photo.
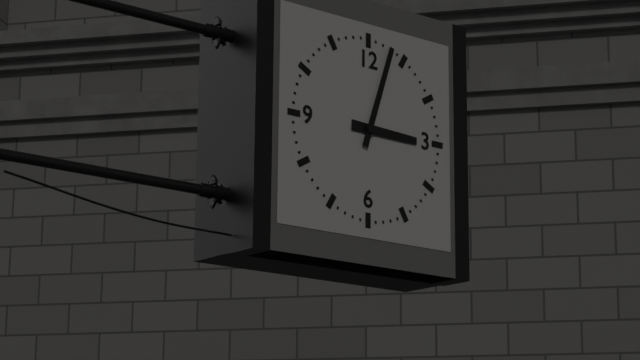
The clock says h=3 m=3
